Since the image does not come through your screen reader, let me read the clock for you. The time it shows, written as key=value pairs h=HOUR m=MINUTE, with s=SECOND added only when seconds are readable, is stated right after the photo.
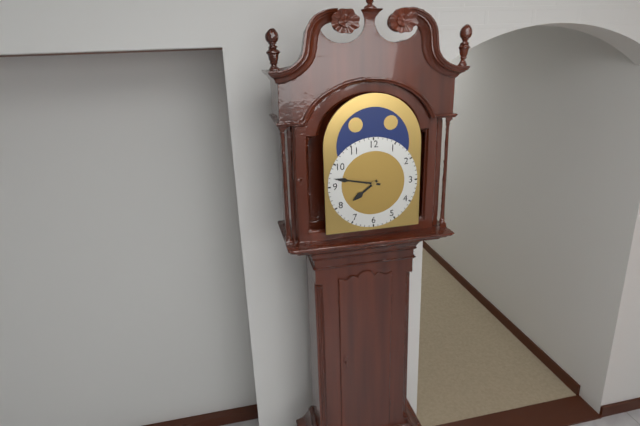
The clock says h=7 m=47
